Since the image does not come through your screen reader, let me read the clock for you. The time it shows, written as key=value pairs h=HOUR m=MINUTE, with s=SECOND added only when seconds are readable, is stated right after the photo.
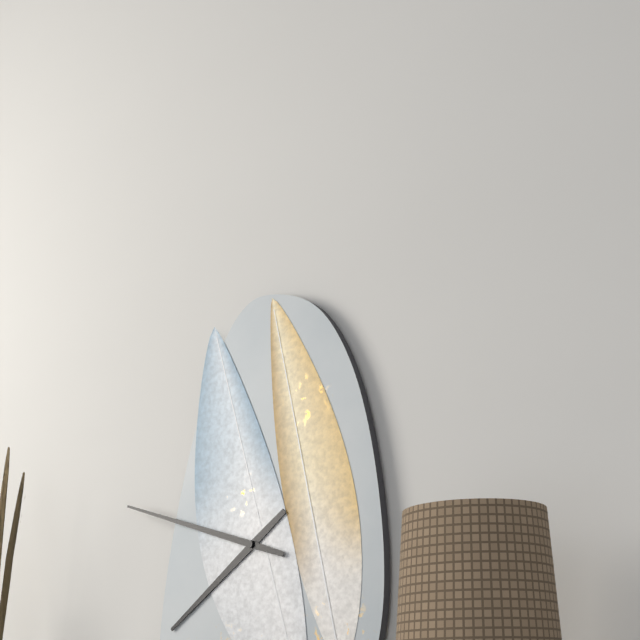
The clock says h=7 m=48
